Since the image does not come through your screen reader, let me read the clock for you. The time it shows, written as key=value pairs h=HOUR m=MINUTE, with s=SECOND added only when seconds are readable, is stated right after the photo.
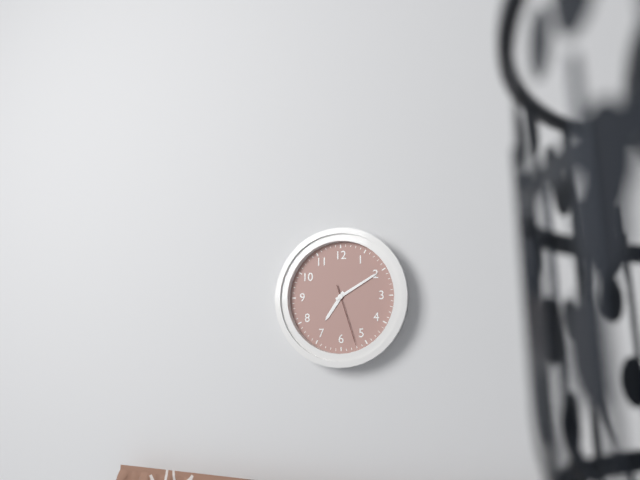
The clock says h=7 m=10 s=27
